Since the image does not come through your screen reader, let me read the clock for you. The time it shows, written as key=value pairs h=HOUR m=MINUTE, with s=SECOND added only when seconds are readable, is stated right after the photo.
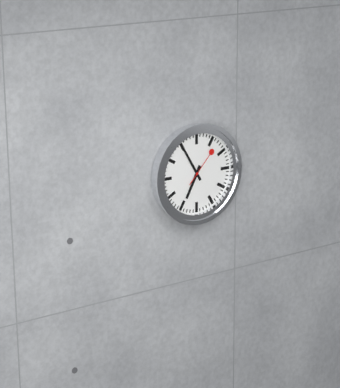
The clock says h=6 m=55
